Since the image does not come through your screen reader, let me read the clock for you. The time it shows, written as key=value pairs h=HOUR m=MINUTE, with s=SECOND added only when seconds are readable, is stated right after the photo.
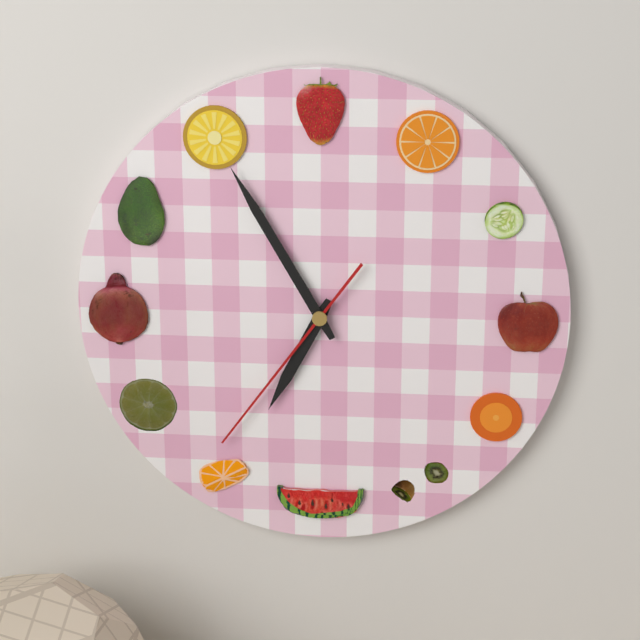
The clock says h=6 m=55 s=36
